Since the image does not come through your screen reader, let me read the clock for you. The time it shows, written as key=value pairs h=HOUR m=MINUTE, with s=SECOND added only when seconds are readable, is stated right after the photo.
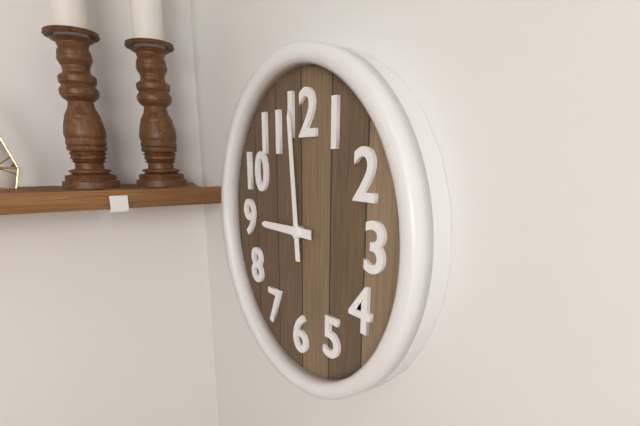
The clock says h=8 m=59
